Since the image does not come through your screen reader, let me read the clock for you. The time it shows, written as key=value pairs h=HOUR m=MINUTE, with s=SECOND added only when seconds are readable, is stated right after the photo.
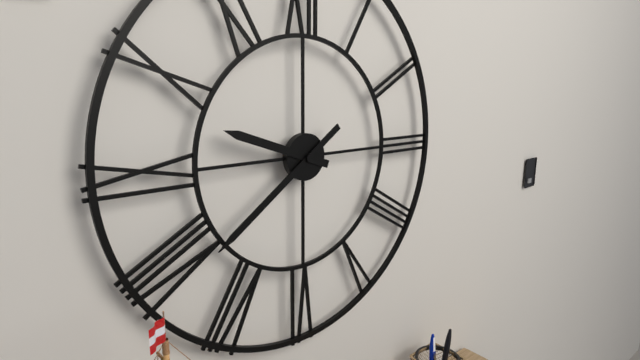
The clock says h=9 m=39
